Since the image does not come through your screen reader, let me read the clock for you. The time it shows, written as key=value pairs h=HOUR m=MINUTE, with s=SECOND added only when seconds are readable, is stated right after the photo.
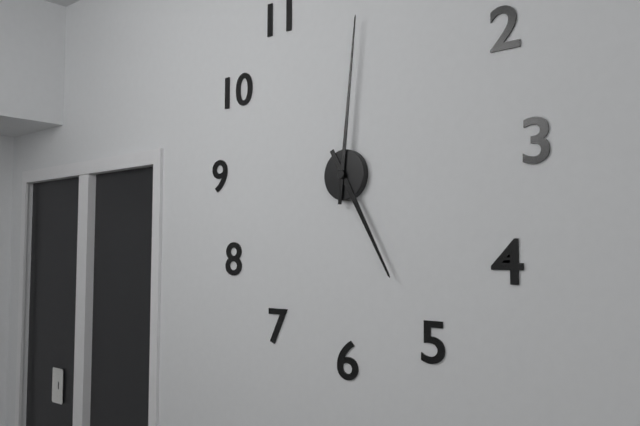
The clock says h=5 m=1
